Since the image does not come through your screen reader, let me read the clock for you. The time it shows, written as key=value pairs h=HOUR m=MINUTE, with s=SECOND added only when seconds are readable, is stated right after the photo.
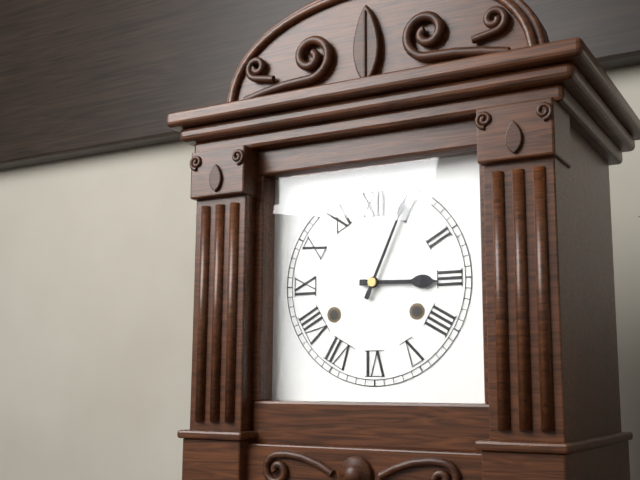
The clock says h=3 m=4
